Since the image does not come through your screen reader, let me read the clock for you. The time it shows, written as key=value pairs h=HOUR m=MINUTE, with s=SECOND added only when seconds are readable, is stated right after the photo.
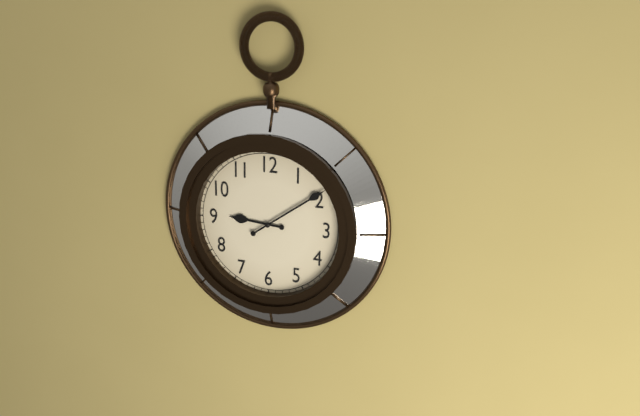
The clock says h=9 m=9
